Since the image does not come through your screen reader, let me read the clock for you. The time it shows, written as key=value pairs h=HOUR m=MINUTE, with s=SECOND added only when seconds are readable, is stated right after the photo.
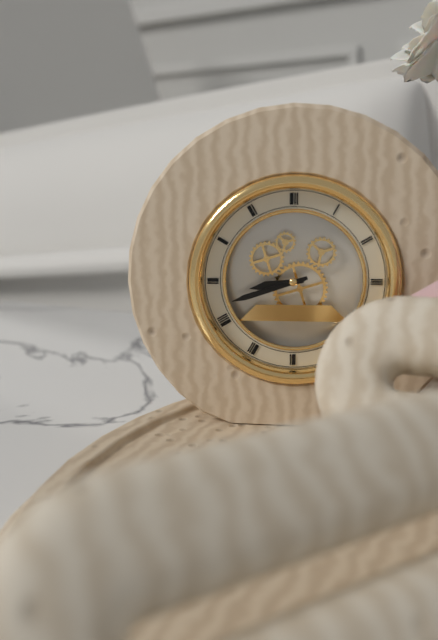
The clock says h=8 m=42
